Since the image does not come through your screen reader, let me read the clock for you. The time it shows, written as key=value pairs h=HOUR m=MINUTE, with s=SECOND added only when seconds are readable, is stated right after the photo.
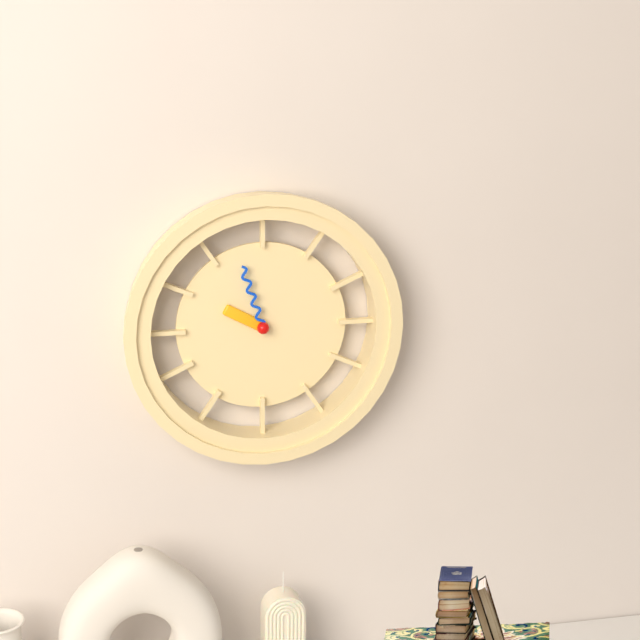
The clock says h=9 m=57
